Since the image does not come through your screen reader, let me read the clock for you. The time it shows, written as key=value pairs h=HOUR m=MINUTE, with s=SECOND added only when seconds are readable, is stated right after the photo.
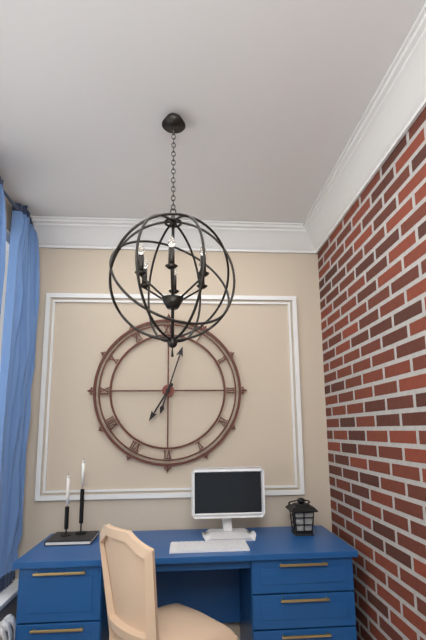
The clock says h=7 m=3
